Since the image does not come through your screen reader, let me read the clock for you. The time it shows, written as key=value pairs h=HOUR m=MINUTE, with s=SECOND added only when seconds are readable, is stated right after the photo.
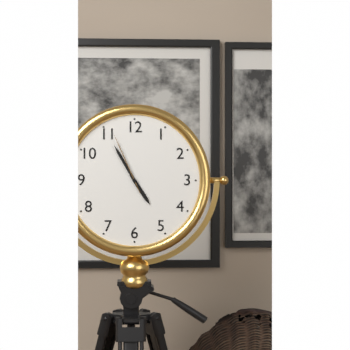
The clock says h=4 m=55 s=56
